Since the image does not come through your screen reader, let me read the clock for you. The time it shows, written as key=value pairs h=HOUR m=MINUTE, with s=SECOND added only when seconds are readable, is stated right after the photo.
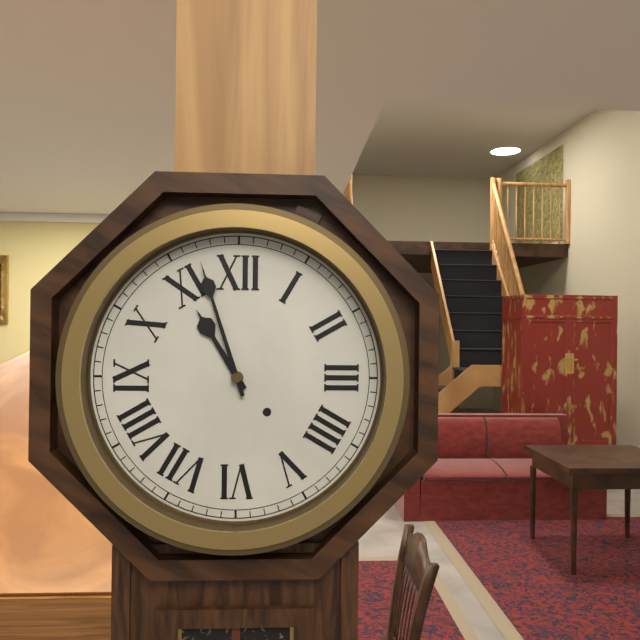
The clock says h=10 m=57
